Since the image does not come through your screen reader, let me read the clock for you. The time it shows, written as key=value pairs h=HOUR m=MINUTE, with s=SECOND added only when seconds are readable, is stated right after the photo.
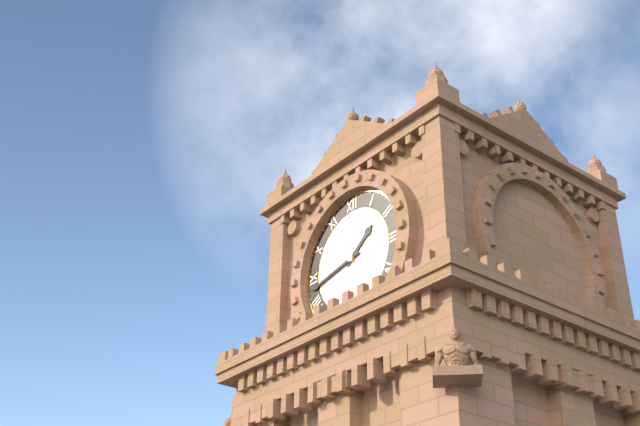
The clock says h=1 m=43
